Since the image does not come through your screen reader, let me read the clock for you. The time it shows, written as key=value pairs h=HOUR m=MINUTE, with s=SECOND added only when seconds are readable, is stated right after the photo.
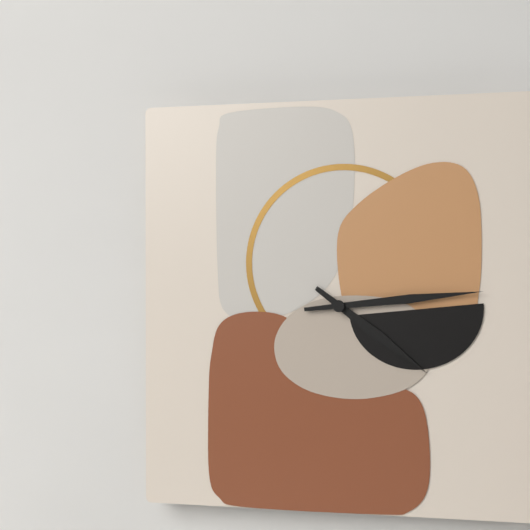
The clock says h=4 m=14
